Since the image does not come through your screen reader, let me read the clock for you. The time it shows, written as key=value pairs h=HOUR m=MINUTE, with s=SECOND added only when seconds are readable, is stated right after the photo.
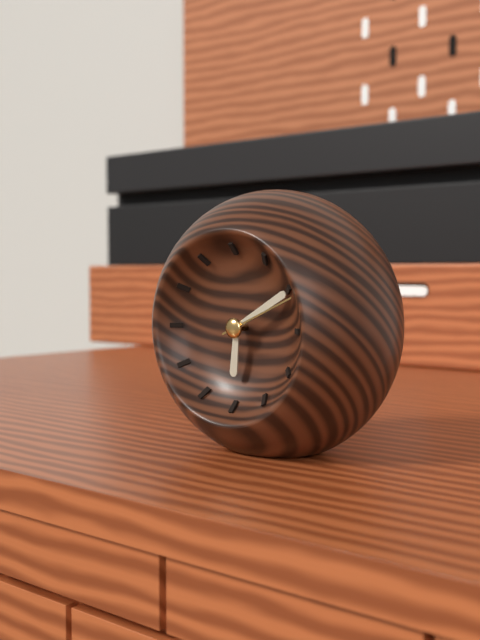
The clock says h=6 m=10 s=11
